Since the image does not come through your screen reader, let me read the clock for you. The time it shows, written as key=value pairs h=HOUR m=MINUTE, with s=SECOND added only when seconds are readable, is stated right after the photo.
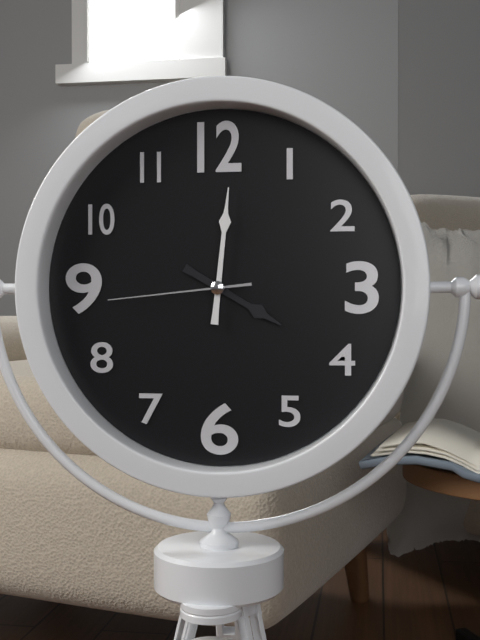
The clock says h=4 m=1 s=44
